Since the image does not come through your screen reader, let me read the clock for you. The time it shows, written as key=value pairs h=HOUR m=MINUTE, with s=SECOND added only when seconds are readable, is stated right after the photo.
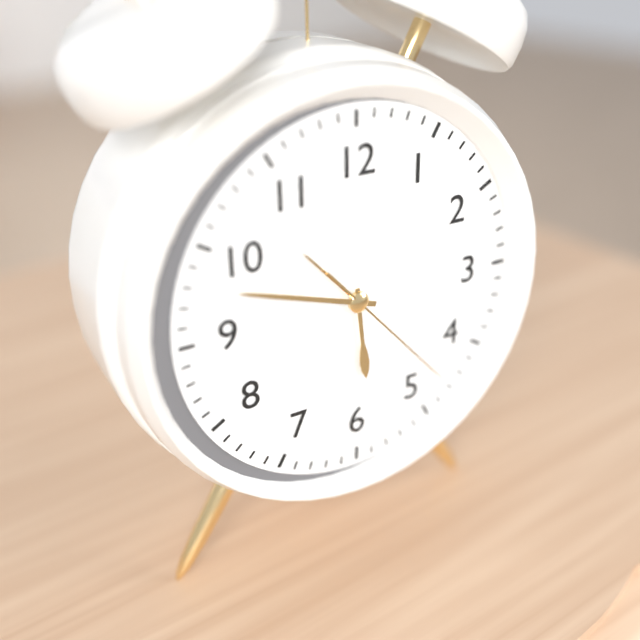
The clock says h=5 m=48 s=23
